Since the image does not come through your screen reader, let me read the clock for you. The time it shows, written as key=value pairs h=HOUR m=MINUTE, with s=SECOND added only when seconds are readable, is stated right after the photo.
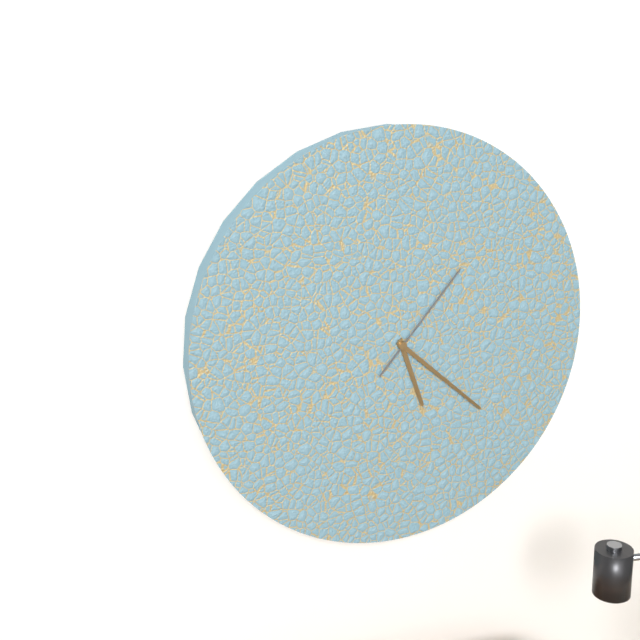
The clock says h=5 m=22 s=7
